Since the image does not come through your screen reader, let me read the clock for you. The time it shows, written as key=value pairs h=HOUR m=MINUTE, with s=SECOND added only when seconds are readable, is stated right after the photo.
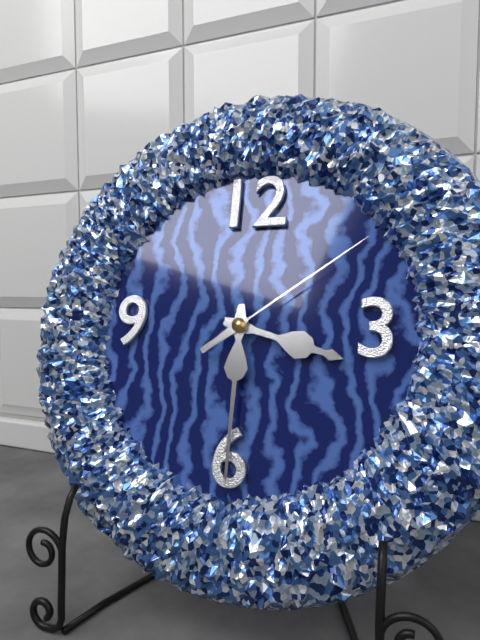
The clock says h=3 m=30 s=9
